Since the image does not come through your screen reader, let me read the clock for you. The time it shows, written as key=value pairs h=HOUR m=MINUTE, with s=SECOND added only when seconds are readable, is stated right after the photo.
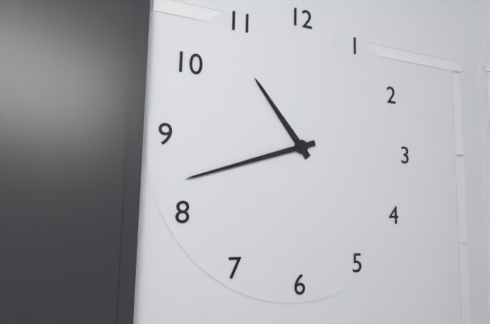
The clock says h=10 m=42
